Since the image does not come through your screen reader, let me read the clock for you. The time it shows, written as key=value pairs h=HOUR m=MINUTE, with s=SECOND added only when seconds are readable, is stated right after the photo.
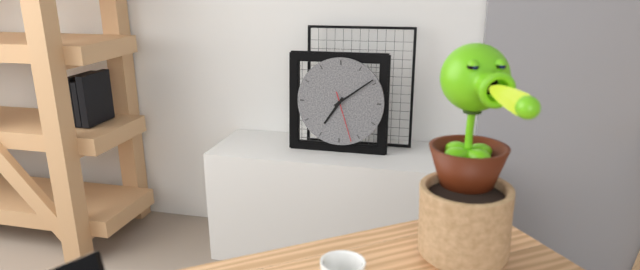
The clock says h=7 m=9 s=27
